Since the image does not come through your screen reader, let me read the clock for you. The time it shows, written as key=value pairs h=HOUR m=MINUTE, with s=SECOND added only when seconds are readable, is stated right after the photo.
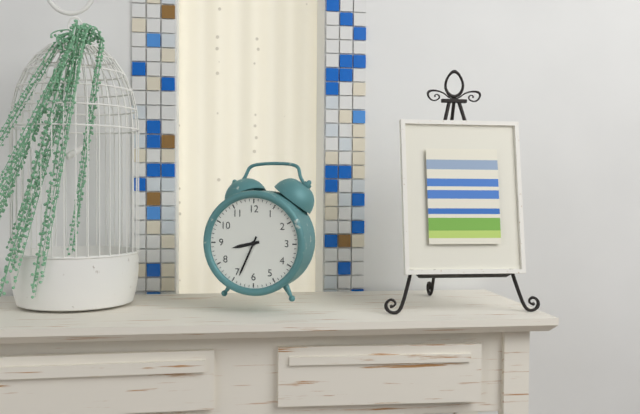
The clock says h=8 m=34
